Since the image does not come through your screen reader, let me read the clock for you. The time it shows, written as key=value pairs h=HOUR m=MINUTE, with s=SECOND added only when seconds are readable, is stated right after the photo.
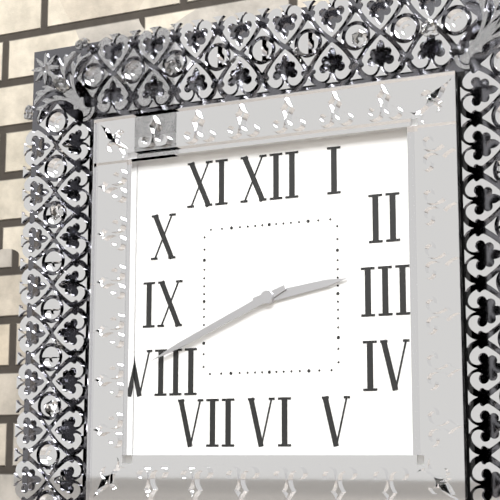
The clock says h=2 m=41
